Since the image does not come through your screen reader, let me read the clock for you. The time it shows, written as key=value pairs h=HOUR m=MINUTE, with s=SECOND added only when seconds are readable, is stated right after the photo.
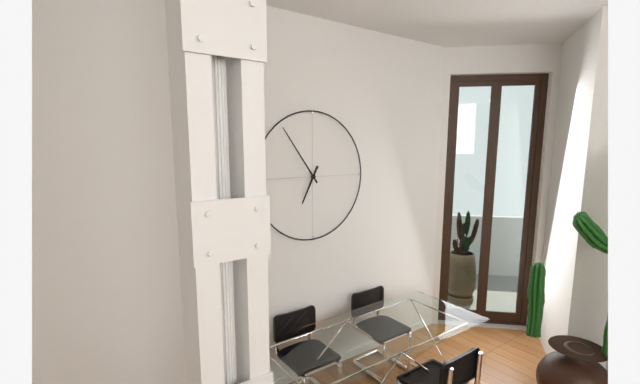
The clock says h=6 m=54
